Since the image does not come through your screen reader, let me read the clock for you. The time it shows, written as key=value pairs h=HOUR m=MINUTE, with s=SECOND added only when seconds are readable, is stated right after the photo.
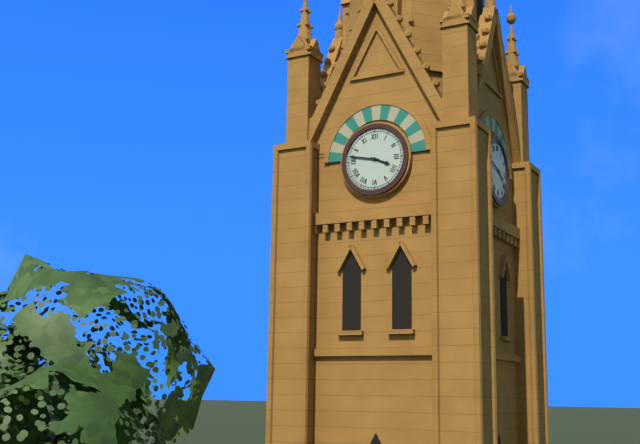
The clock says h=3 m=47
